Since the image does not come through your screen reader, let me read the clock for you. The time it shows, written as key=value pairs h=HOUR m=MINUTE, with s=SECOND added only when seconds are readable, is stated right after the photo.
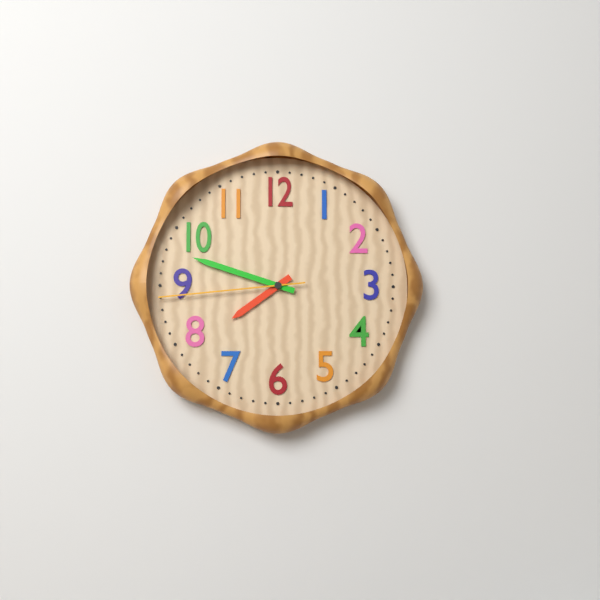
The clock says h=7 m=48 s=44
